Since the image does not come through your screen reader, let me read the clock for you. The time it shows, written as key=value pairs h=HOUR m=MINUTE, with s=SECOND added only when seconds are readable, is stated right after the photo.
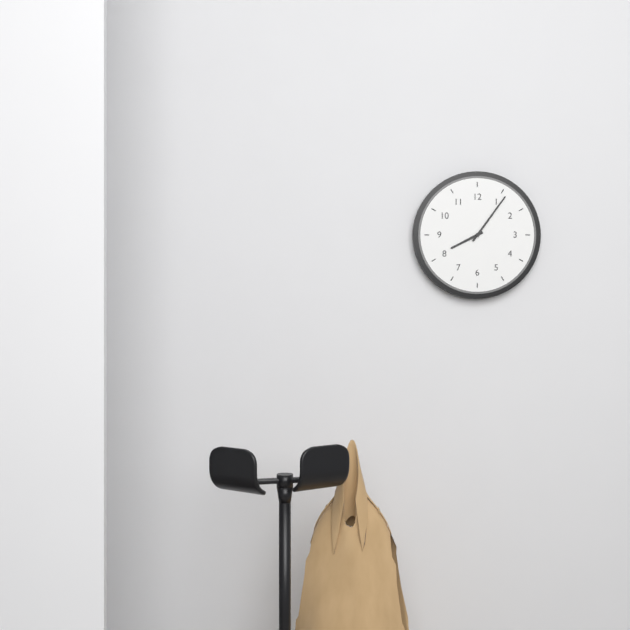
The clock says h=8 m=6
